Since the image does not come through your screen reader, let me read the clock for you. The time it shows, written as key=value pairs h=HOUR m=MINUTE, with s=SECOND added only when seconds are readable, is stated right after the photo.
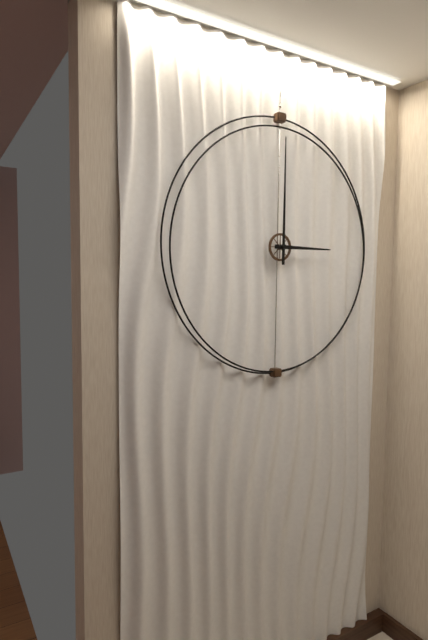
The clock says h=3 m=0
